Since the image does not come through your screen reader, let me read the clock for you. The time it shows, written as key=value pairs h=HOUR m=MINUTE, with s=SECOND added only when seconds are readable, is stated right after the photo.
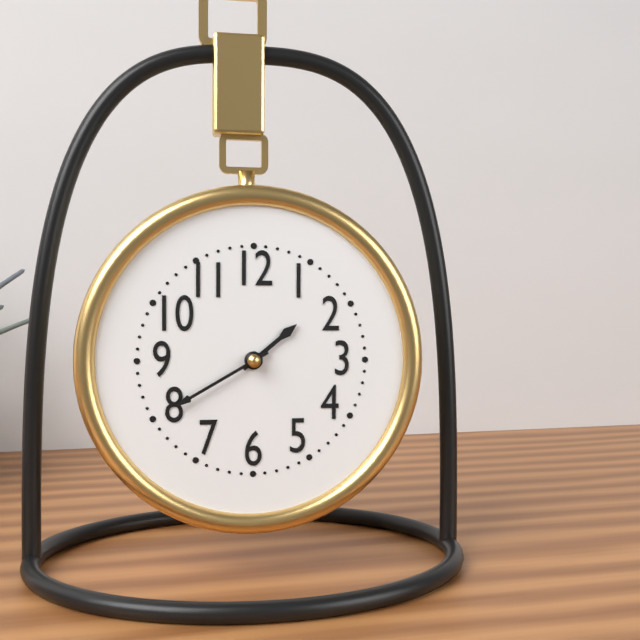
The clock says h=1 m=40
